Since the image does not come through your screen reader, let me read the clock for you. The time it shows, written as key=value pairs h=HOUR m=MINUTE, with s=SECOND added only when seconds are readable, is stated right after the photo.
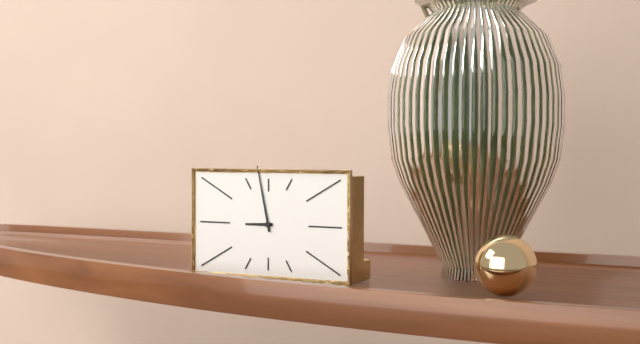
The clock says h=8 m=58
